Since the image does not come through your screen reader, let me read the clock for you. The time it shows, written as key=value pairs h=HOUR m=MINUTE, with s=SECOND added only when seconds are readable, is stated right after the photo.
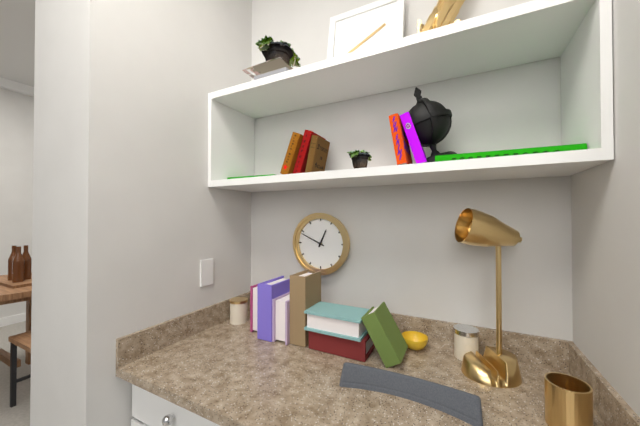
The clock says h=12 m=49
